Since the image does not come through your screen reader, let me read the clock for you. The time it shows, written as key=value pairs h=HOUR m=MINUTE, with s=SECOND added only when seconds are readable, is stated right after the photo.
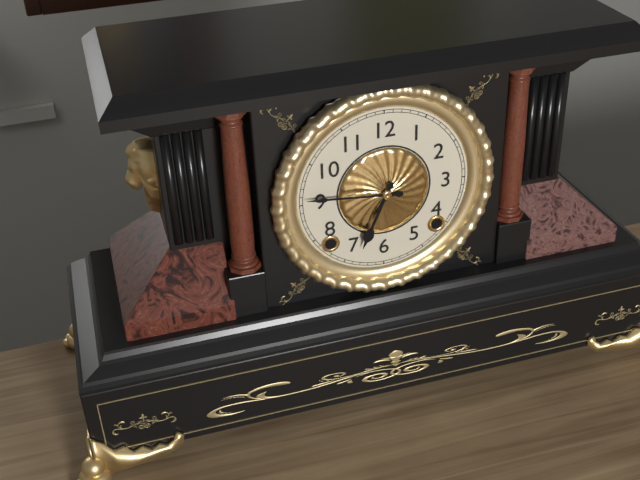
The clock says h=6 m=46
